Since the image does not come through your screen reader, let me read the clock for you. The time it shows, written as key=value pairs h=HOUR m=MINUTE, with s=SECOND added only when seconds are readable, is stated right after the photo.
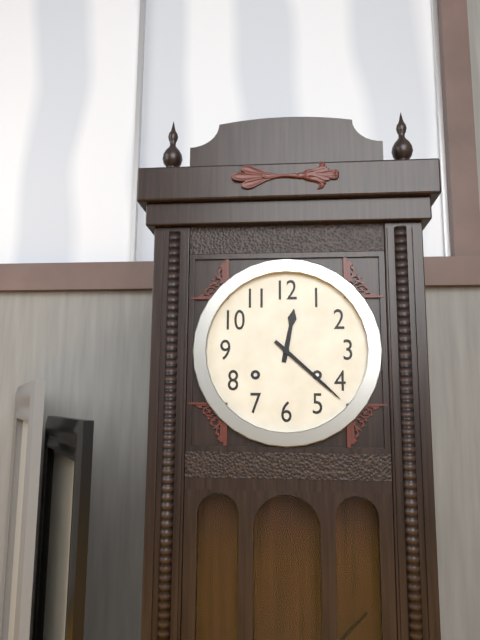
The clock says h=12 m=22
